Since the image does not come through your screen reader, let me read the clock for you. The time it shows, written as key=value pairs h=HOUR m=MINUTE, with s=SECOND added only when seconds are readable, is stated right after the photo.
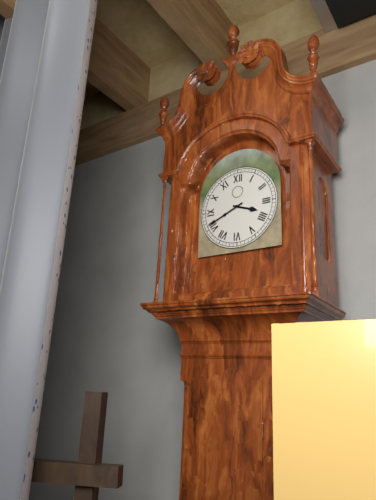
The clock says h=3 m=41
